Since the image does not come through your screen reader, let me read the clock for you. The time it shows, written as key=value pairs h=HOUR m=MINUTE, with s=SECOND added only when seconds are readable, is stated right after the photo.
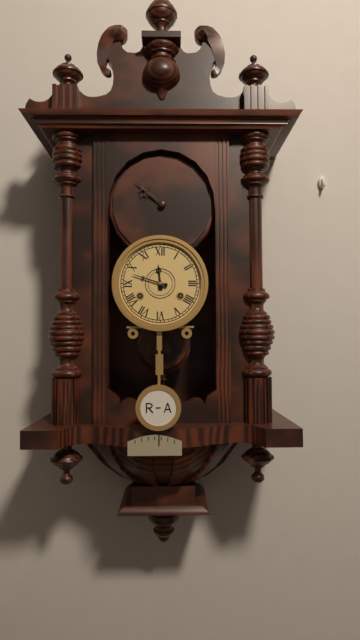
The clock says h=11 m=48
